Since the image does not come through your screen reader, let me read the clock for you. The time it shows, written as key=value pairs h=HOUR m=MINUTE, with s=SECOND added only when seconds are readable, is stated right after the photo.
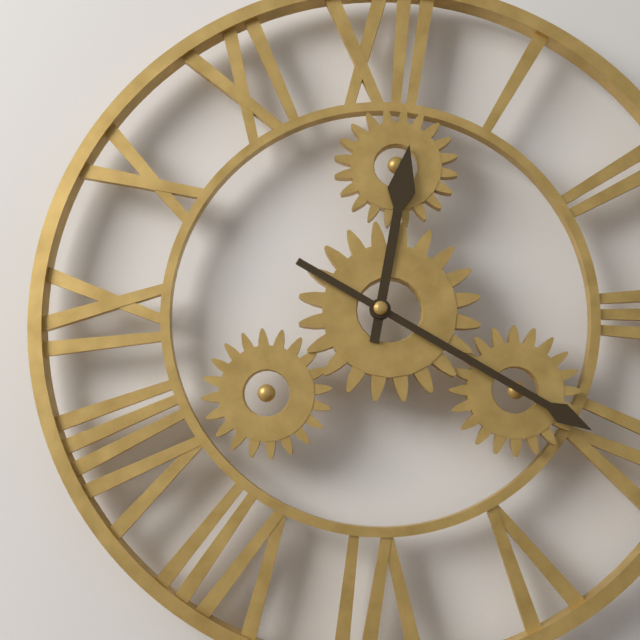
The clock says h=12 m=20
